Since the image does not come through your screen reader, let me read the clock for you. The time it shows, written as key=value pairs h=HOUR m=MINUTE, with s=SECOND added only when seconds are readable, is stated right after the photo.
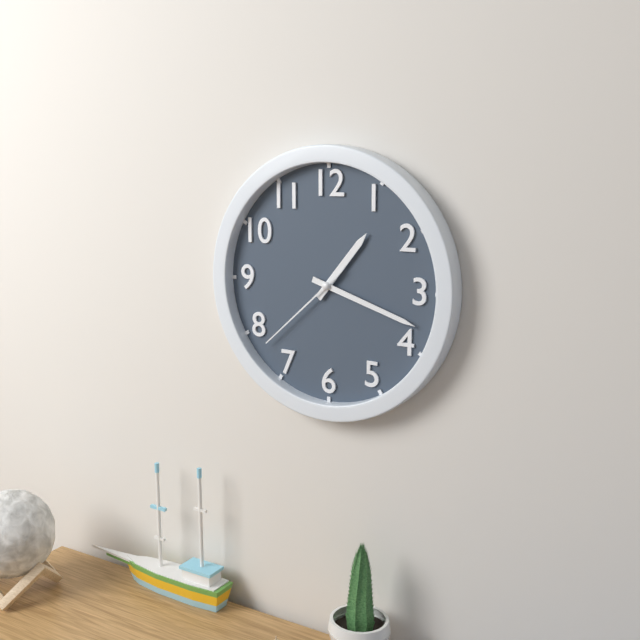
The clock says h=1 m=18 s=38
